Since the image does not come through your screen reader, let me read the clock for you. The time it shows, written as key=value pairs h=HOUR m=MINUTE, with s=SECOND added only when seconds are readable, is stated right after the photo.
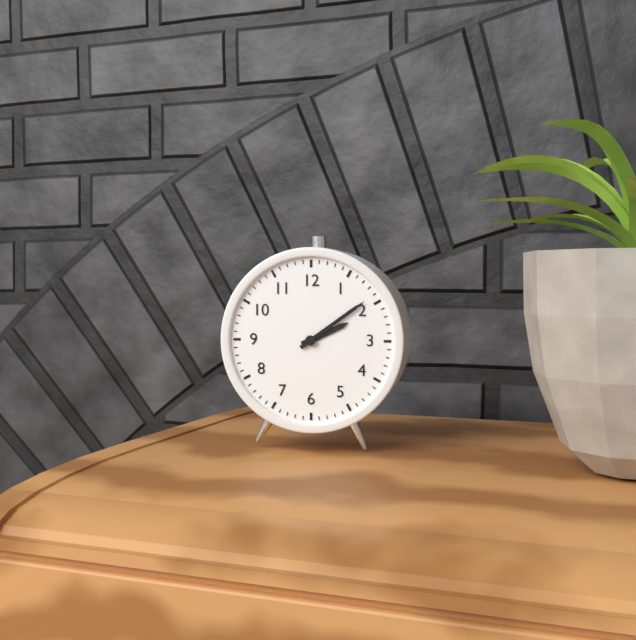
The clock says h=2 m=9
